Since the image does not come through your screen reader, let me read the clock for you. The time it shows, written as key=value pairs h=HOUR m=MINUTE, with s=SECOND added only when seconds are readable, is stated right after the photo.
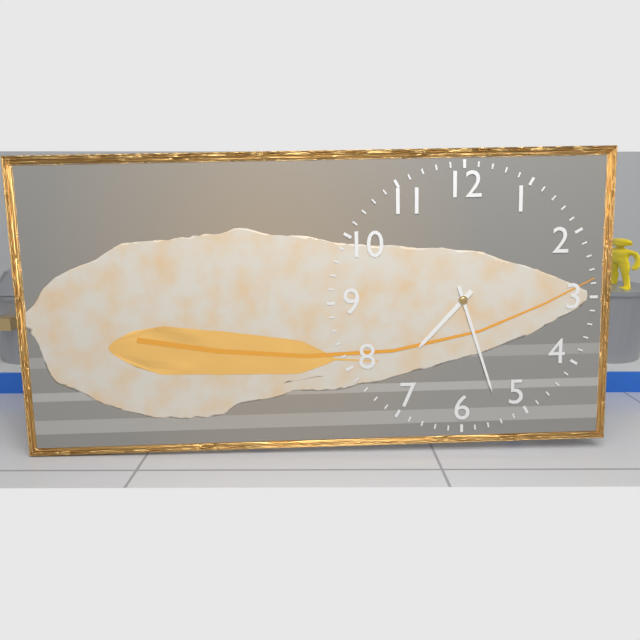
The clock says h=7 m=27
